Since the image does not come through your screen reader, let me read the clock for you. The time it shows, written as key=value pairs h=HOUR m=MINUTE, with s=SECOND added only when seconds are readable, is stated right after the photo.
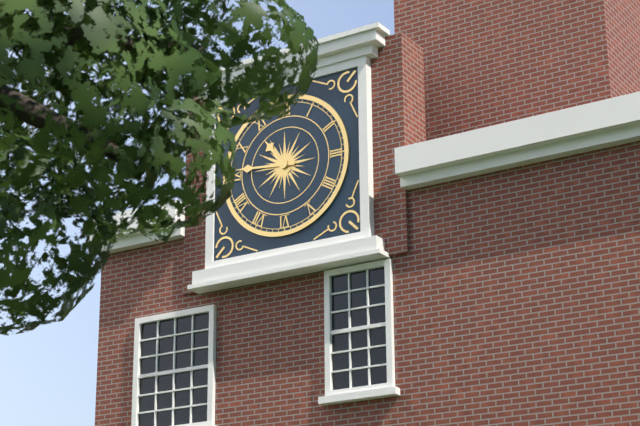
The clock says h=10 m=46
